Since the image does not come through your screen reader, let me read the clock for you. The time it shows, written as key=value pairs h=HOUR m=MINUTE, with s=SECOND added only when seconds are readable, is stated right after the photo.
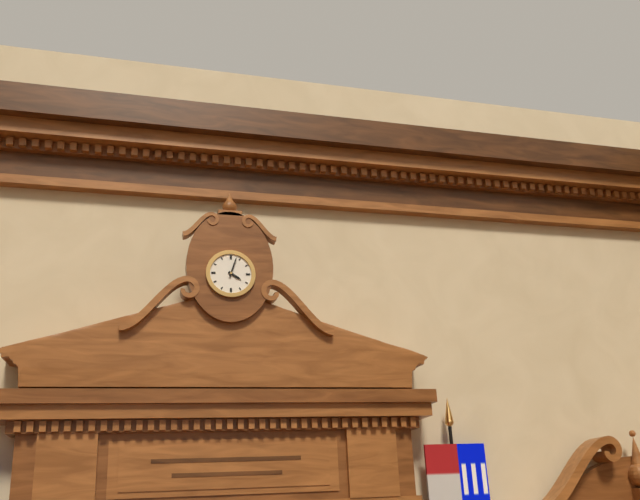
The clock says h=4 m=3
